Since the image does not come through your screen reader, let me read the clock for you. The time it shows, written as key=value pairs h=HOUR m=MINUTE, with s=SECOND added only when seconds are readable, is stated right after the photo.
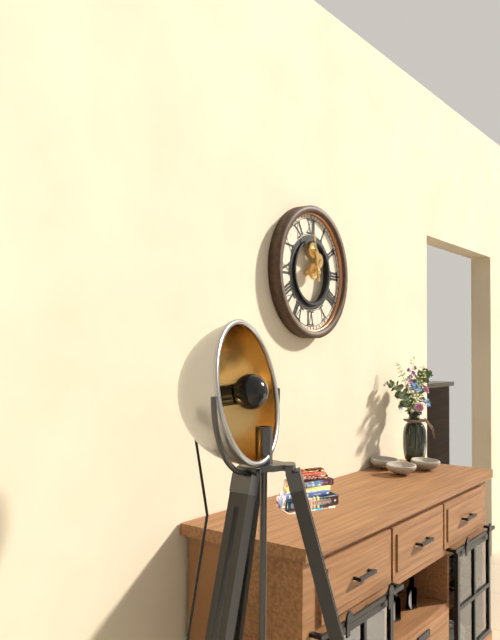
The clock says h=11 m=58
